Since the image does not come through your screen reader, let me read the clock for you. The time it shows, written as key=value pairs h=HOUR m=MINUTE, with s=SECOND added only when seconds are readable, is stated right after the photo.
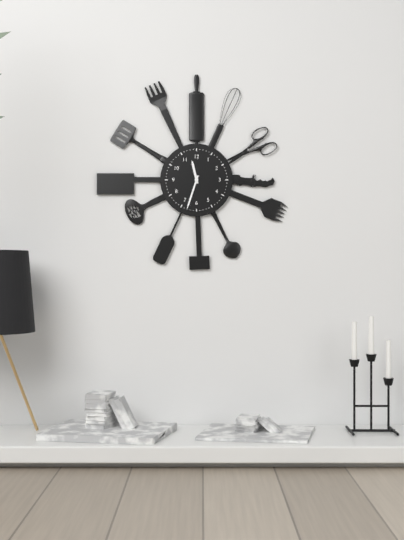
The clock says h=11 m=33
